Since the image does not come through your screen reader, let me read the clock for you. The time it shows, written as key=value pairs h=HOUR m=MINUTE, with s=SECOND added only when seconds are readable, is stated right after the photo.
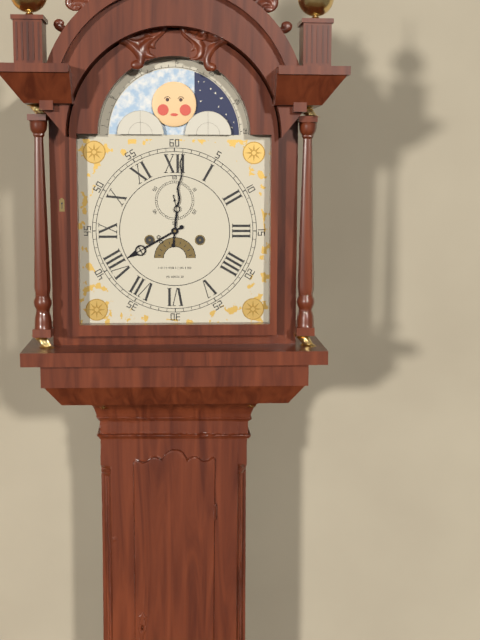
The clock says h=8 m=1
